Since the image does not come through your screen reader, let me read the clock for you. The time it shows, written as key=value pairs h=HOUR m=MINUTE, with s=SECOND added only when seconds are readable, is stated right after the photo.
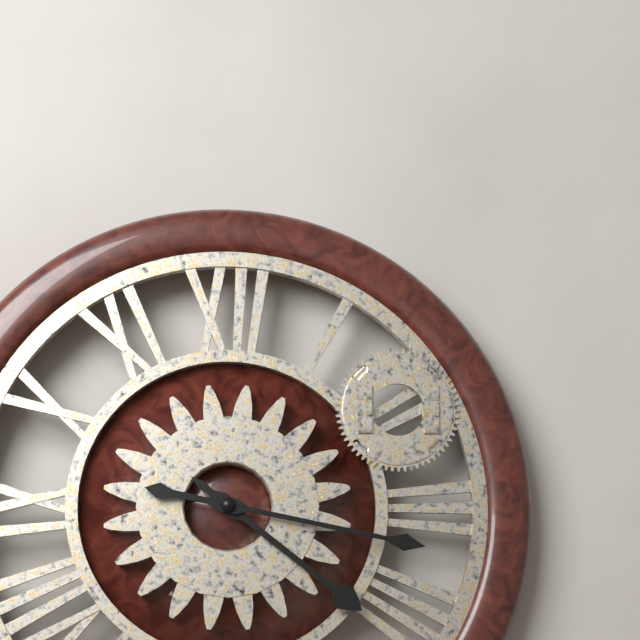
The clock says h=4 m=17
